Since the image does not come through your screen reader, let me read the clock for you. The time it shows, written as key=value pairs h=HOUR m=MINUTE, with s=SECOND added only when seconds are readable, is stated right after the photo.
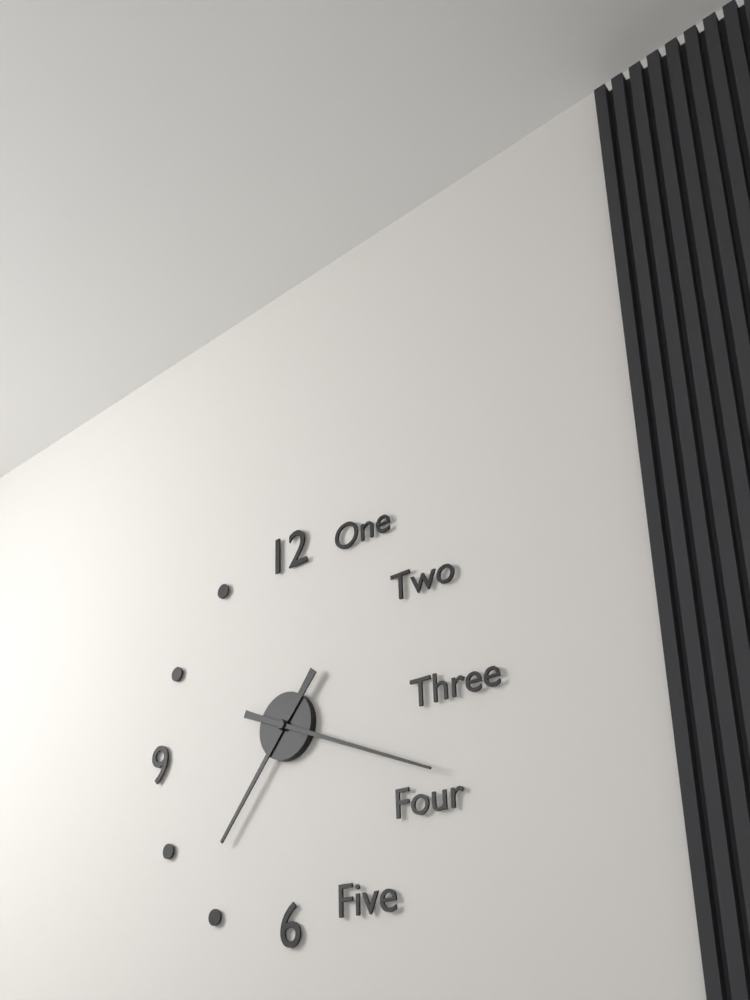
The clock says h=7 m=19
